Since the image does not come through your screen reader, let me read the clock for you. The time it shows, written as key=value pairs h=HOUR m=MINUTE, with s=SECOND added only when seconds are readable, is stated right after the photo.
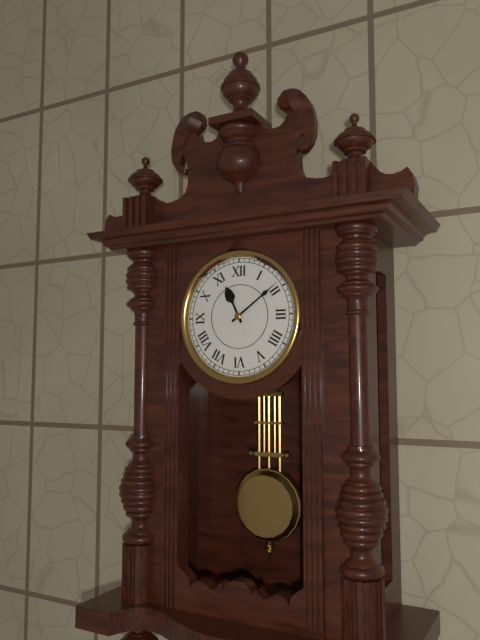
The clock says h=11 m=9
